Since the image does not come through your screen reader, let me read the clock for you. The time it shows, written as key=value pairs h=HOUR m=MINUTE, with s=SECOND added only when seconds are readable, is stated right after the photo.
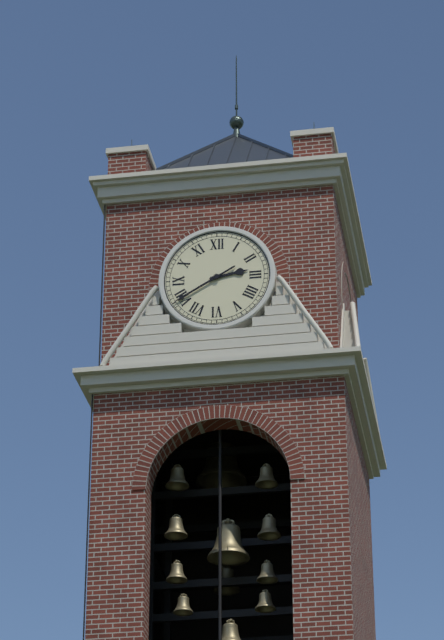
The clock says h=2 m=40
